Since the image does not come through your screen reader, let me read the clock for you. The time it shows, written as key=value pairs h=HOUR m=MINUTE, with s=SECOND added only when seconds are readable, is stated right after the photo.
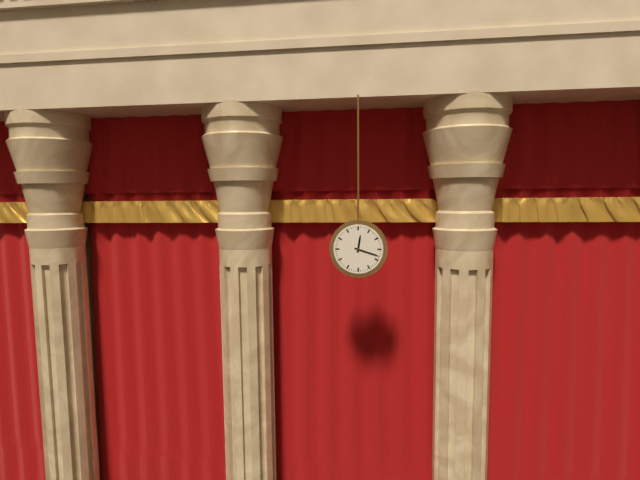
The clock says h=12 m=18
